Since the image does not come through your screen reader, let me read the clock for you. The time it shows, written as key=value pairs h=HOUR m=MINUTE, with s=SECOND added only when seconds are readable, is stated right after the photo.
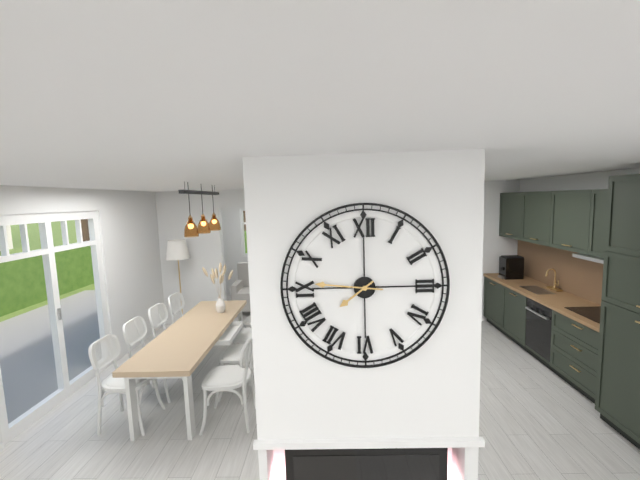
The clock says h=7 m=46
